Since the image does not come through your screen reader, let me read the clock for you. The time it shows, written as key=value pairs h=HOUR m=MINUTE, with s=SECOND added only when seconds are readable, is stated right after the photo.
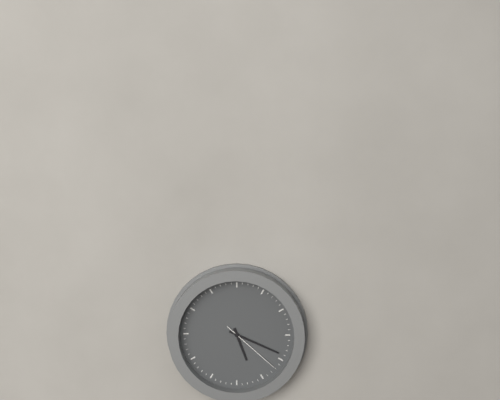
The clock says h=5 m=19 s=22
